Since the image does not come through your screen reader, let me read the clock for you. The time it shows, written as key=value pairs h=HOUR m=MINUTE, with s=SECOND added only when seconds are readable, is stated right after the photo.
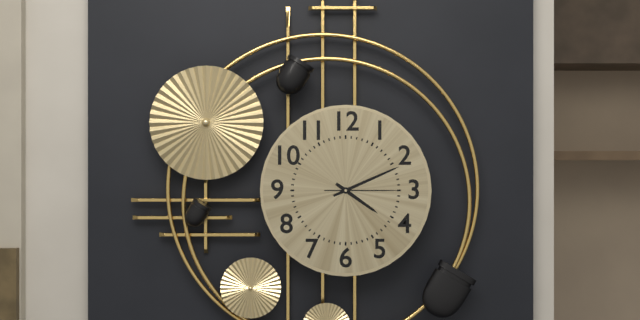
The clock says h=4 m=11 s=15
